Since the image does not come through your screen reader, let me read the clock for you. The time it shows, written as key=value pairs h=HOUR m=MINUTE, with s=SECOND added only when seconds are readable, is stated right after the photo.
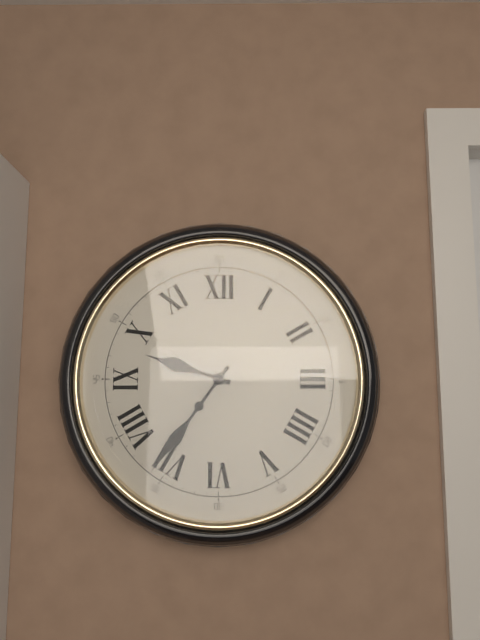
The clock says h=9 m=36
